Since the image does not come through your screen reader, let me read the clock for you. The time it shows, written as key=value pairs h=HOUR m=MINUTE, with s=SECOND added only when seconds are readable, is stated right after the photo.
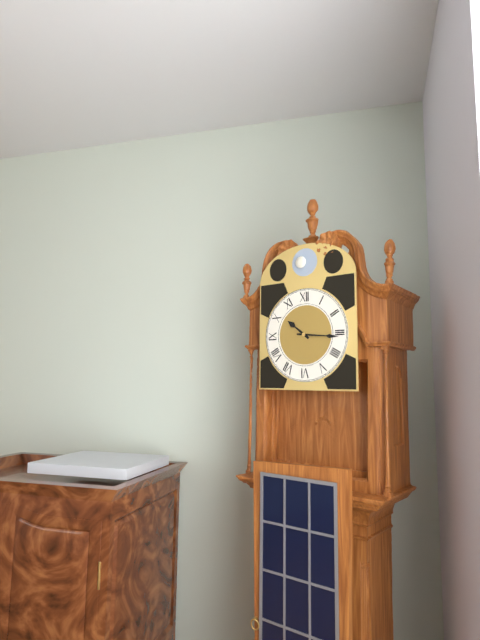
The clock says h=10 m=16
